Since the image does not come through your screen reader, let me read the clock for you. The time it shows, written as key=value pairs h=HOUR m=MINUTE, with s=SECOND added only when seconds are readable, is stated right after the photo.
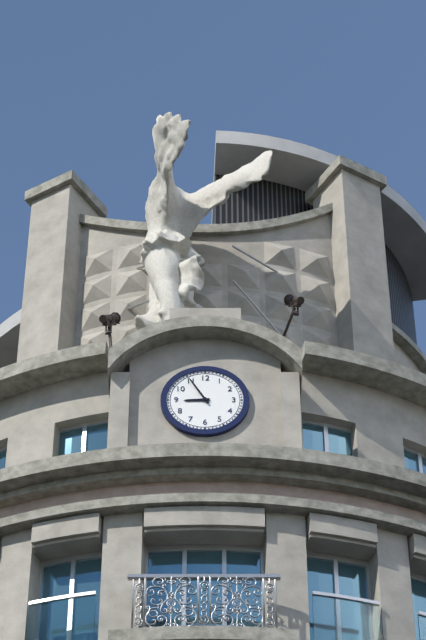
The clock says h=8 m=55
